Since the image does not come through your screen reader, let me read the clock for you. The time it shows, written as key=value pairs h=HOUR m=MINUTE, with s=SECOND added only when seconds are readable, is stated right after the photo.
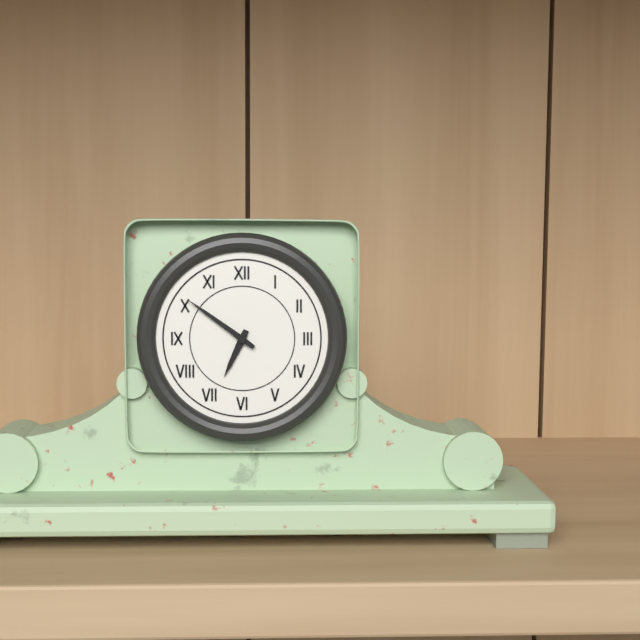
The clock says h=6 m=51
